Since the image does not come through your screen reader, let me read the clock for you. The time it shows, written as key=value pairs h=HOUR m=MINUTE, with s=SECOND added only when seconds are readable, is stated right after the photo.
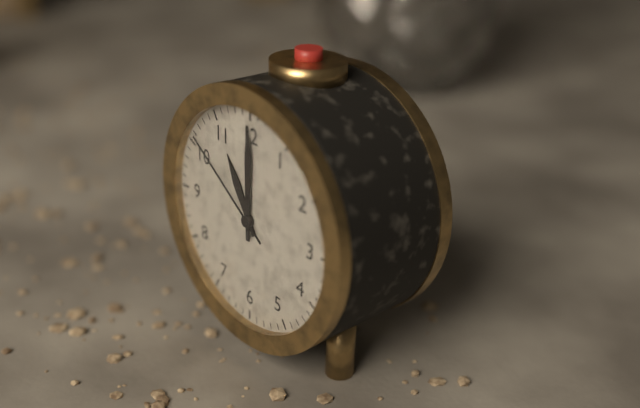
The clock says h=11 m=0 s=51
